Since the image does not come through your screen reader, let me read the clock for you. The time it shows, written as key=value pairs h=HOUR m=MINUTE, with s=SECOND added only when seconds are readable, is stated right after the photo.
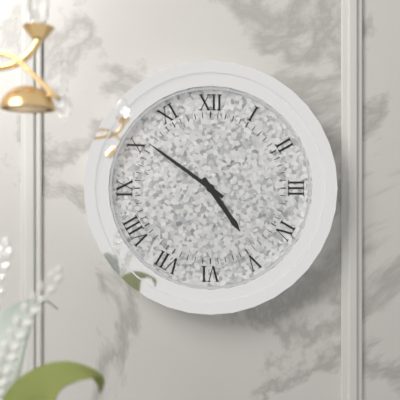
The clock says h=4 m=51
